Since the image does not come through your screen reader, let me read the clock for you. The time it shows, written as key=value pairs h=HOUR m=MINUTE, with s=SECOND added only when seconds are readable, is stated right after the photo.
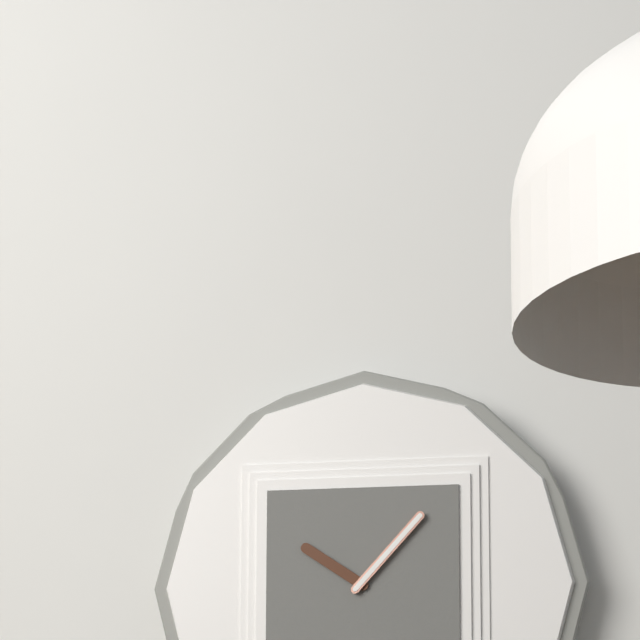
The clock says h=10 m=7
